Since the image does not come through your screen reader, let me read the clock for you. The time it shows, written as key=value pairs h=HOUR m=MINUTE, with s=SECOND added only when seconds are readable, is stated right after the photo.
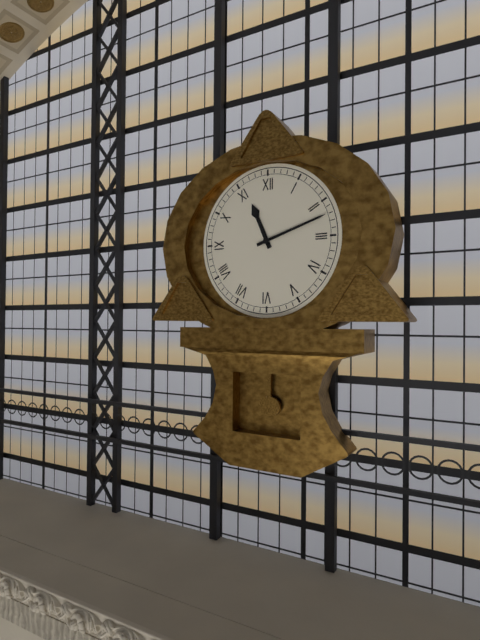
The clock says h=11 m=12
